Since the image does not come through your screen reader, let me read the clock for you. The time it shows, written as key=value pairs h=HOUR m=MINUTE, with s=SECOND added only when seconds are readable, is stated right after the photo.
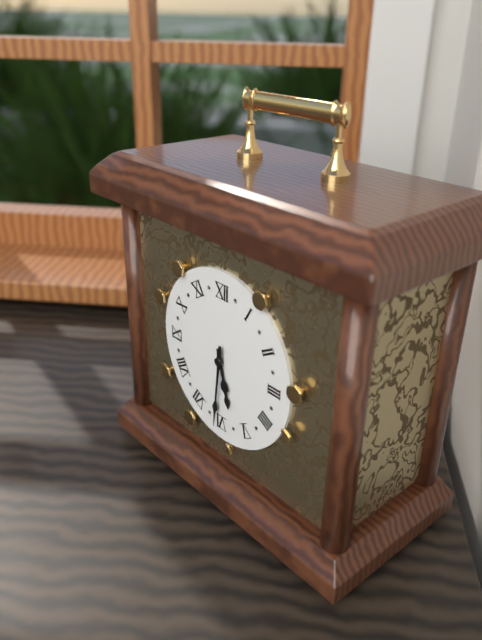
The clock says h=5 m=31
